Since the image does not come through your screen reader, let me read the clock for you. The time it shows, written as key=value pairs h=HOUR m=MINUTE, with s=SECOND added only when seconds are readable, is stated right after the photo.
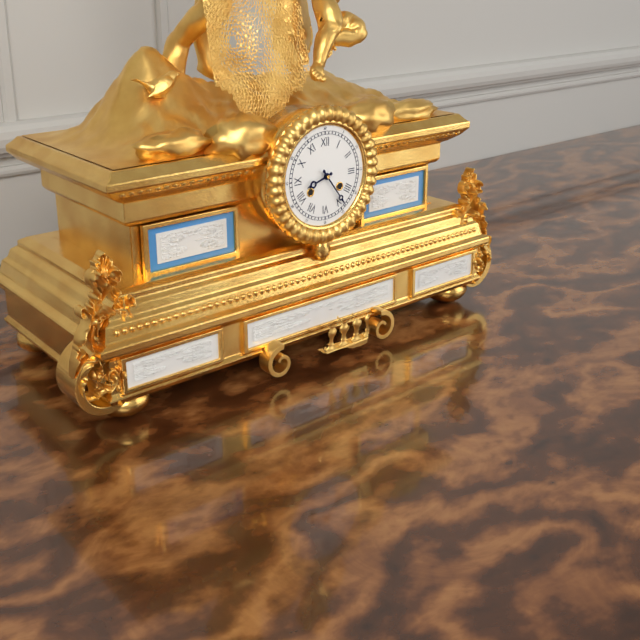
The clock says h=8 m=24
